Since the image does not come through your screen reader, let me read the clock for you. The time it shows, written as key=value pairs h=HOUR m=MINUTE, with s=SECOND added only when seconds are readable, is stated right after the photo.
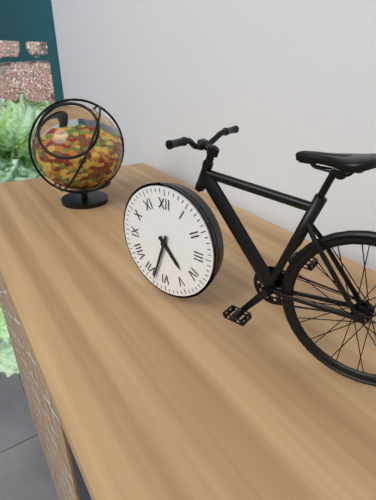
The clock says h=4 m=33
